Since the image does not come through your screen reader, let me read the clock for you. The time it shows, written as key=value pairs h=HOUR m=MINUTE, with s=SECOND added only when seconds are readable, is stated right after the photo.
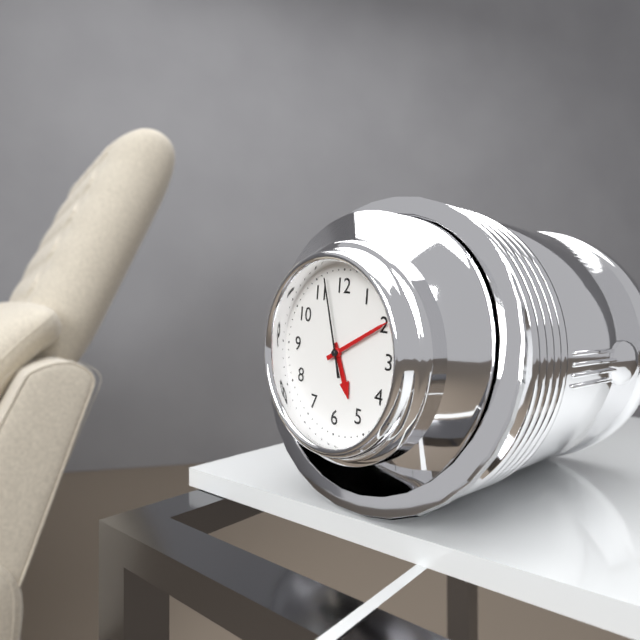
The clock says h=5 m=10 s=57
